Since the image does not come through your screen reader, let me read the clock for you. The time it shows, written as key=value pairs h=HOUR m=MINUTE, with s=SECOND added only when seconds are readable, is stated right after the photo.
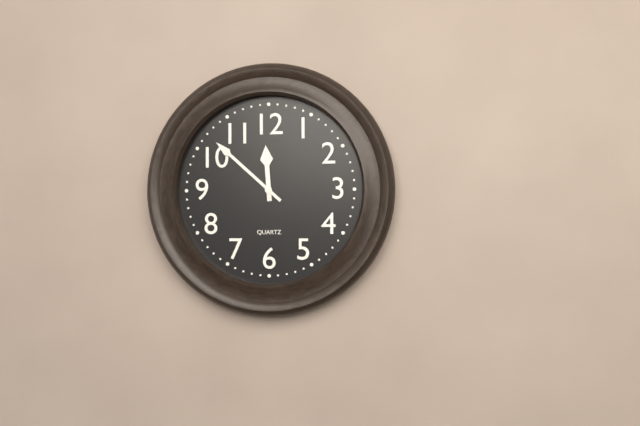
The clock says h=11 m=52
